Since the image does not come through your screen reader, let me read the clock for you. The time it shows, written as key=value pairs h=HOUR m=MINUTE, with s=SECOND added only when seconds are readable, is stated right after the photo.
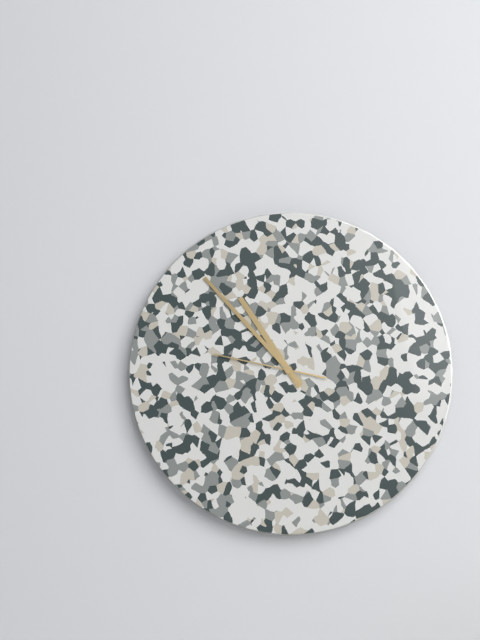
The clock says h=10 m=53 s=47
